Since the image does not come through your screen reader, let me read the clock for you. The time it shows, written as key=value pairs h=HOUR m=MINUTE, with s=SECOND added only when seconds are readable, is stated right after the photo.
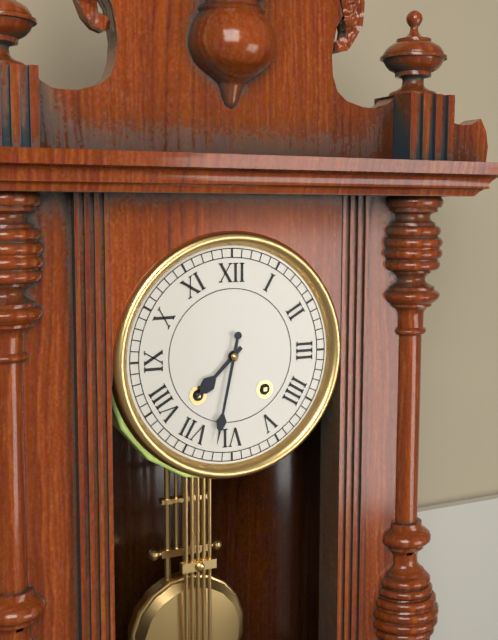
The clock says h=7 m=32
